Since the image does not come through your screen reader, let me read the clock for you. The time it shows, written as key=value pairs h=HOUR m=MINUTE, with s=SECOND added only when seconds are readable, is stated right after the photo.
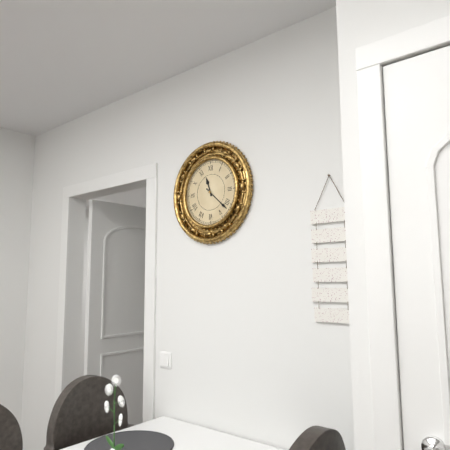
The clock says h=11 m=22
